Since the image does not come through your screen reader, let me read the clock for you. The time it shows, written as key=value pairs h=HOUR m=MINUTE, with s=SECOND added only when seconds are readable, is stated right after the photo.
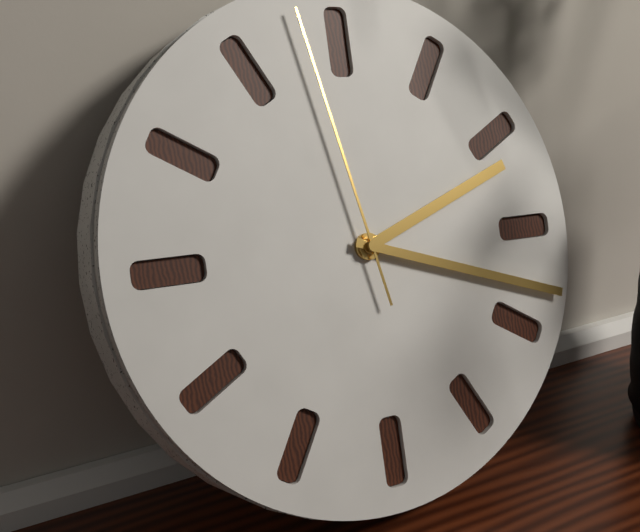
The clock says h=2 m=18 s=58
